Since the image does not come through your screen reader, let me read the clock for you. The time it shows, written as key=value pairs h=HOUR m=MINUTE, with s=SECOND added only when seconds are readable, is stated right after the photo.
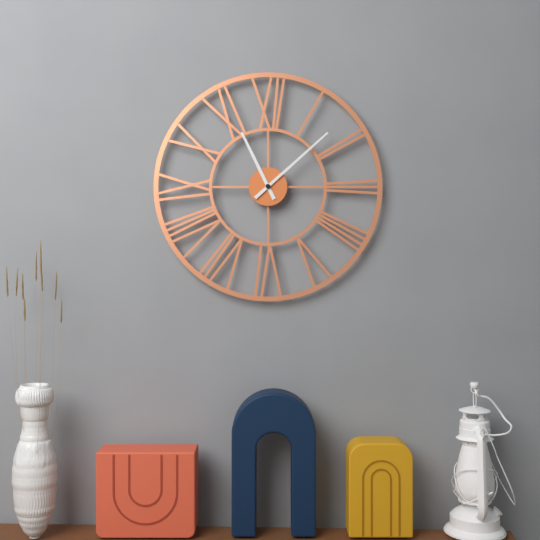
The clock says h=11 m=8
